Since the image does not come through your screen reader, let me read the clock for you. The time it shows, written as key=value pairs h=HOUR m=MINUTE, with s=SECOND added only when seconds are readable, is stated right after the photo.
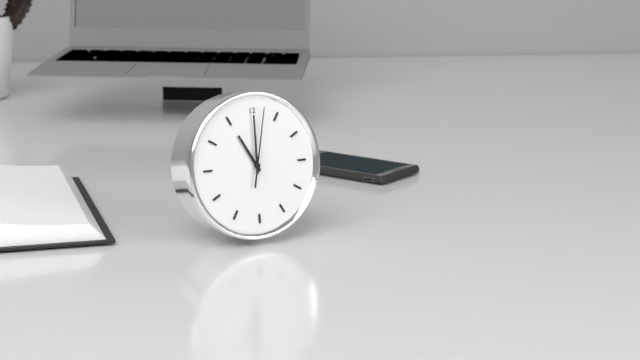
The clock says h=11 m=0 s=2
